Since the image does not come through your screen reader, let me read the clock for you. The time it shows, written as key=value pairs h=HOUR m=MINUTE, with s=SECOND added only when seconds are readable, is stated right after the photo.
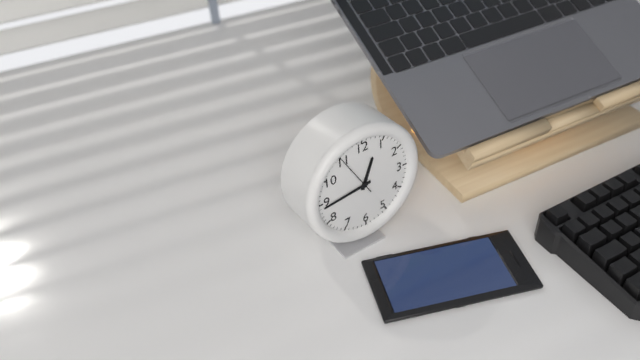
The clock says h=12 m=44
